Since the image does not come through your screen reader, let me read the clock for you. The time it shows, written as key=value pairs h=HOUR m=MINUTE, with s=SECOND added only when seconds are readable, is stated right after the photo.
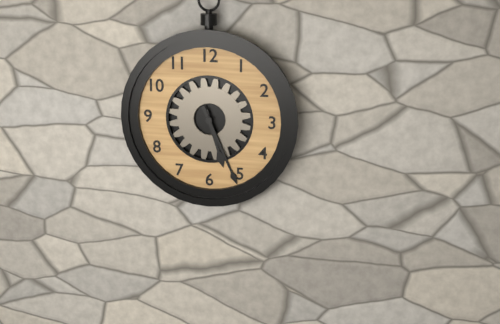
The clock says h=5 m=26
